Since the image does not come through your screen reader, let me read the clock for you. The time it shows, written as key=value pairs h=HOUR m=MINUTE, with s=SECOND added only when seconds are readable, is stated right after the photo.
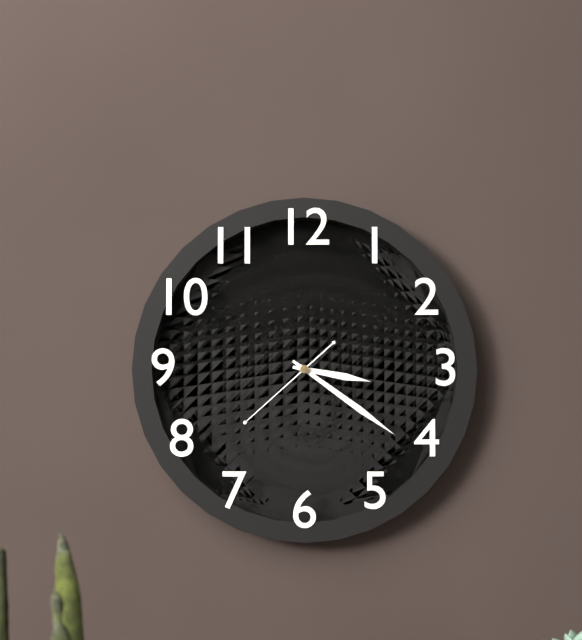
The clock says h=3 m=21 s=38
